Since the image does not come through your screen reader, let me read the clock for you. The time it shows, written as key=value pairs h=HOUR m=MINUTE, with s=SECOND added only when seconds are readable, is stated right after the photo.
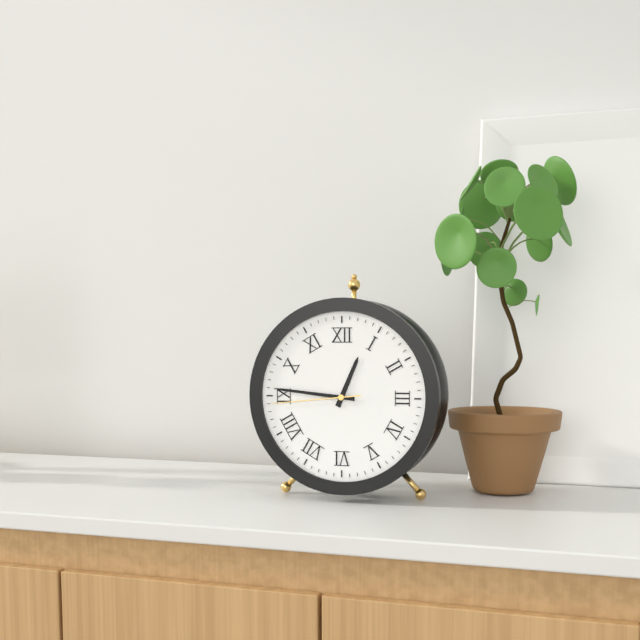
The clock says h=12 m=46 s=44
